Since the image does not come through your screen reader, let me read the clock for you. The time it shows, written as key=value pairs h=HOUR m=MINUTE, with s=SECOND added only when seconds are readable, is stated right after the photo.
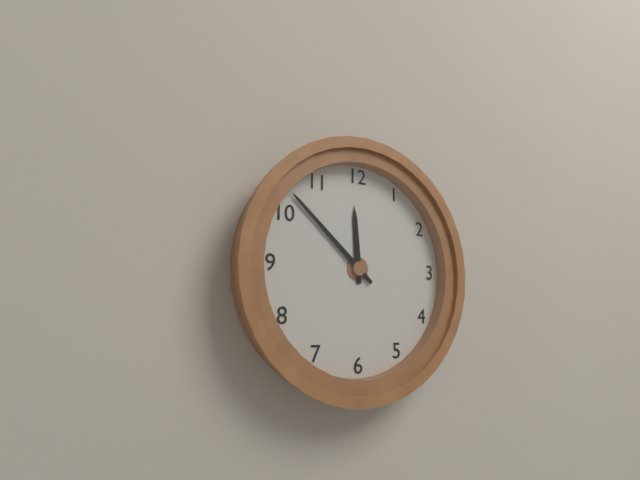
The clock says h=11 m=52
